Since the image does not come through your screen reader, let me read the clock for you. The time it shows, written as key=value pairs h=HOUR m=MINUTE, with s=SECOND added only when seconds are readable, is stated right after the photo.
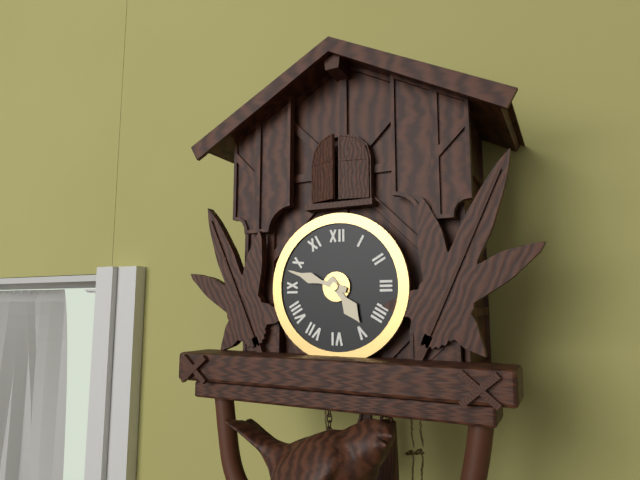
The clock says h=4 m=48
